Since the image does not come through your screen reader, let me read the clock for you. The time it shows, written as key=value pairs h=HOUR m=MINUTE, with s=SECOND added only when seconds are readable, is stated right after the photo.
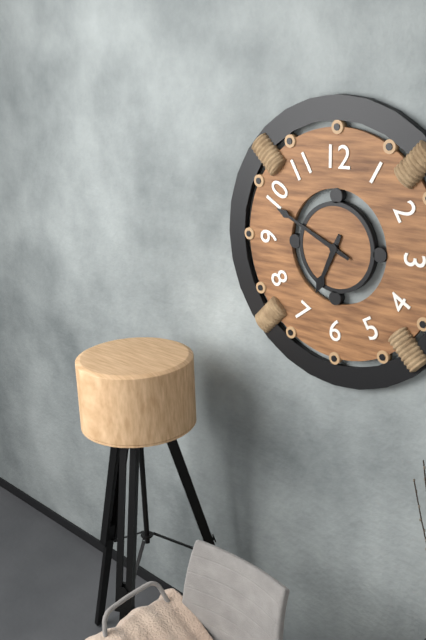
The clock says h=6 m=49
